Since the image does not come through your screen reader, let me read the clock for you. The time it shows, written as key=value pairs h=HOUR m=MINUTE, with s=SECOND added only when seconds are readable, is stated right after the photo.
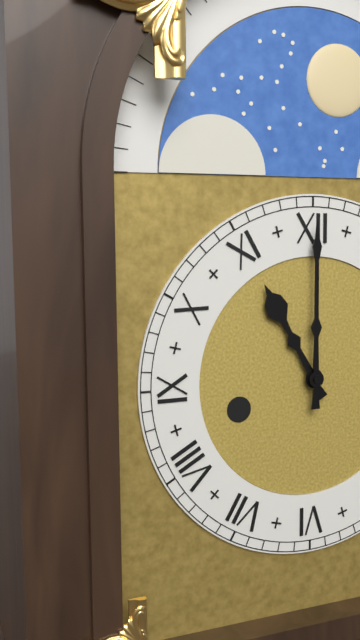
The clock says h=11 m=0
